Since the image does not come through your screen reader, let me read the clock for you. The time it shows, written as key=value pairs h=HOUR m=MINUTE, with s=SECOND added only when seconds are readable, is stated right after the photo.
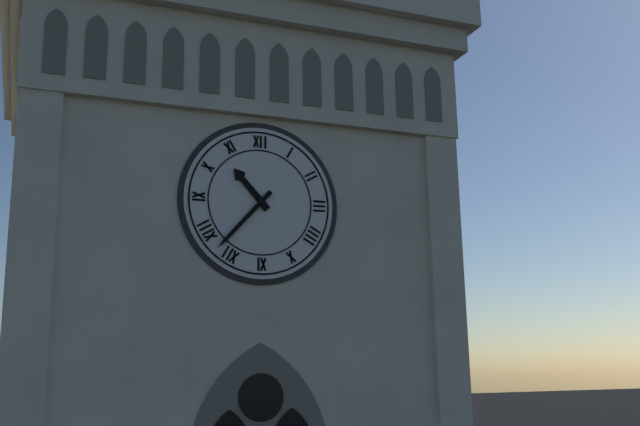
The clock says h=10 m=37
